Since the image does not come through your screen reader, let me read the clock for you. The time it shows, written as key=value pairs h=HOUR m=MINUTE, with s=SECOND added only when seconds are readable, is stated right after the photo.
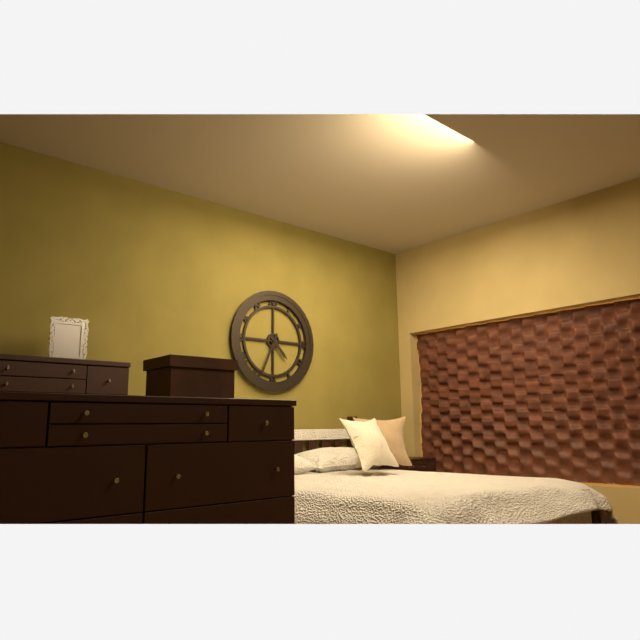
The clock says h=4 m=34
